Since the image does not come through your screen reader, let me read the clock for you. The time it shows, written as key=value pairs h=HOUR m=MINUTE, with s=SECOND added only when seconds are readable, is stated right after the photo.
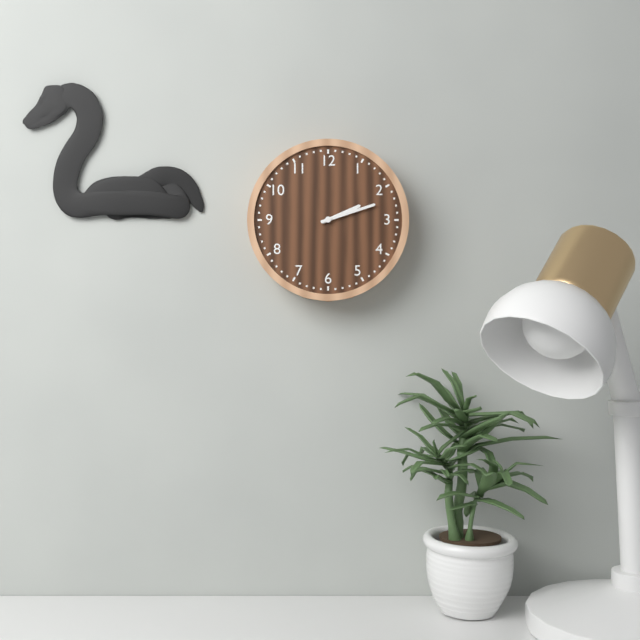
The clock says h=2 m=12
